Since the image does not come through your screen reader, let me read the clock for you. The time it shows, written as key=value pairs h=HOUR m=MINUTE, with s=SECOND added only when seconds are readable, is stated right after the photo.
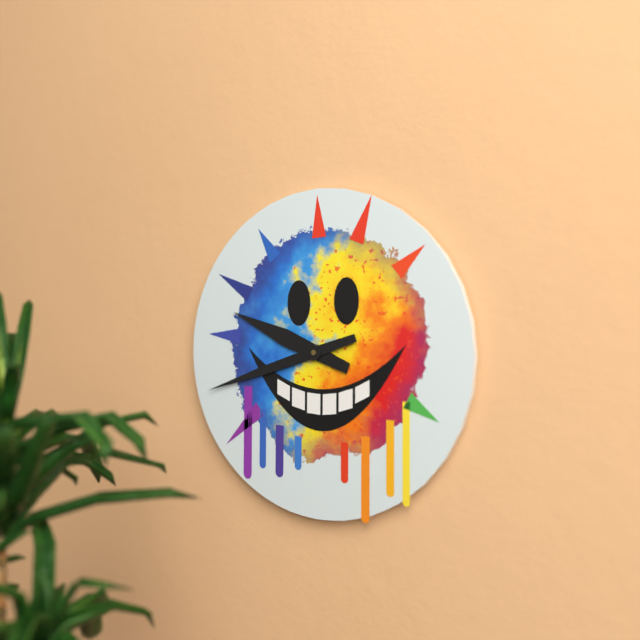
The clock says h=9 m=42
